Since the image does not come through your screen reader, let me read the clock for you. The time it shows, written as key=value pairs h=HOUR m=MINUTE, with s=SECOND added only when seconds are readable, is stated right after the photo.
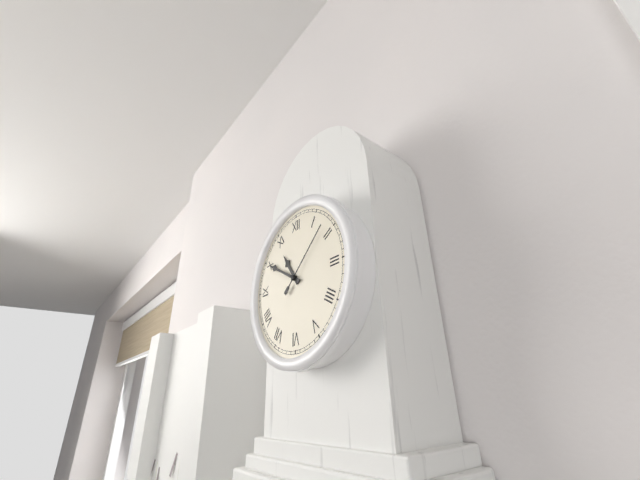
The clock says h=10 m=50 s=8
